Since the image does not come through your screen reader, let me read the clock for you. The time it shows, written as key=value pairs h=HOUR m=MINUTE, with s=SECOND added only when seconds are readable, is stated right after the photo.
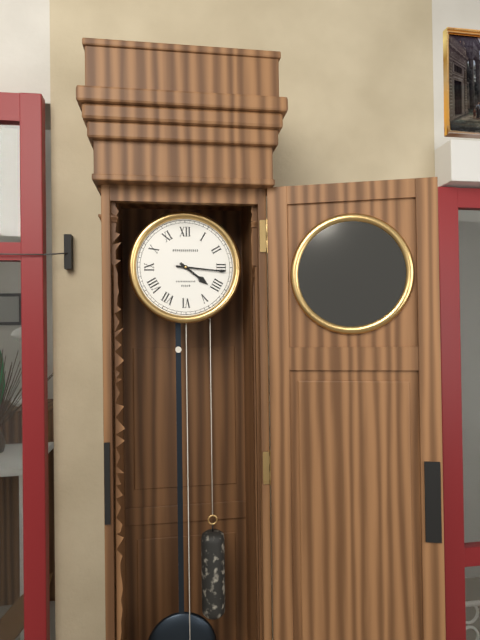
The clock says h=4 m=16
